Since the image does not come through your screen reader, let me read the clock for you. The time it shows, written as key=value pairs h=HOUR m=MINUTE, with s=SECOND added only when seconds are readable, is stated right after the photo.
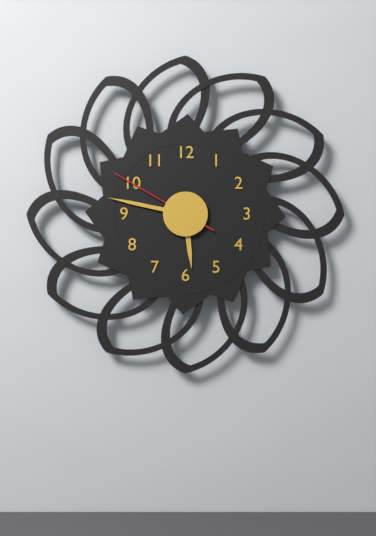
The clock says h=5 m=47 s=50
